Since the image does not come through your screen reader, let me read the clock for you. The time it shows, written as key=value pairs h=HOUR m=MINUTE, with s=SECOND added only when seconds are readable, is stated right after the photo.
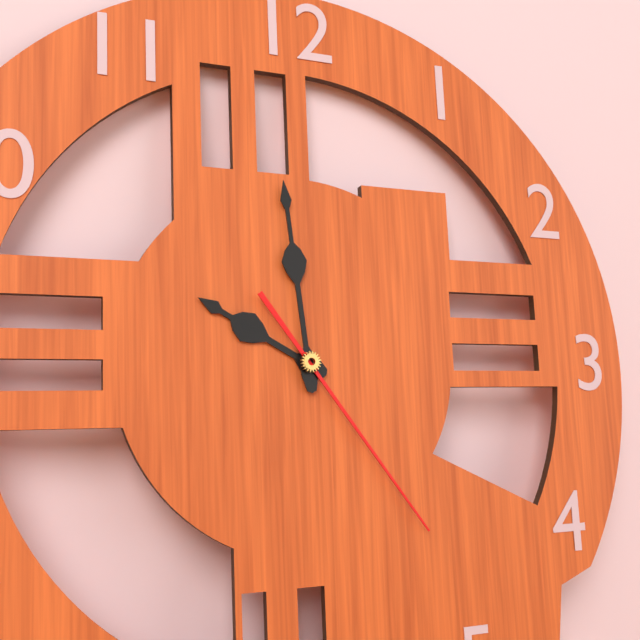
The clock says h=9 m=59 s=24
